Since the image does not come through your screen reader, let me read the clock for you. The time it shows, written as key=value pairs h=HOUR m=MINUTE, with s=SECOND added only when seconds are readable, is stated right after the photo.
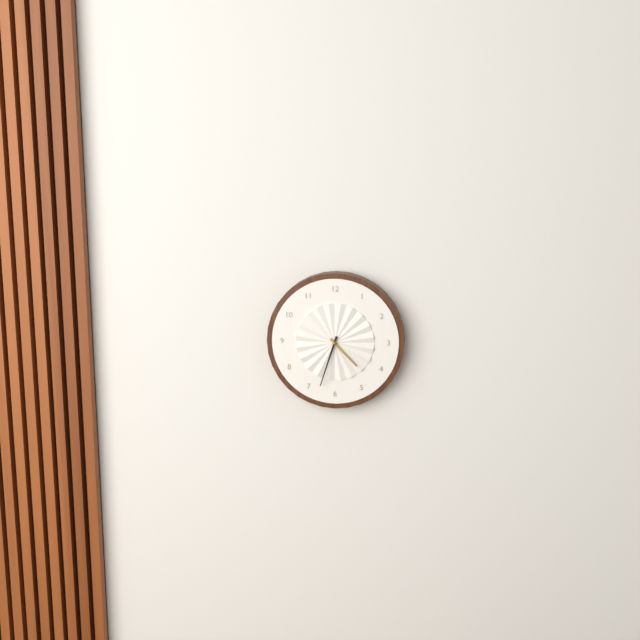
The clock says h=4 m=33
